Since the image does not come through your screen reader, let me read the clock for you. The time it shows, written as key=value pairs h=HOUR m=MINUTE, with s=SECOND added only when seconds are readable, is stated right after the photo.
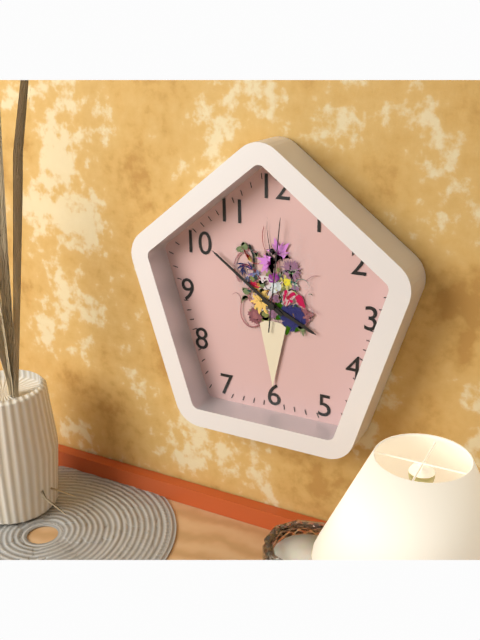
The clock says h=3 m=51 s=1
